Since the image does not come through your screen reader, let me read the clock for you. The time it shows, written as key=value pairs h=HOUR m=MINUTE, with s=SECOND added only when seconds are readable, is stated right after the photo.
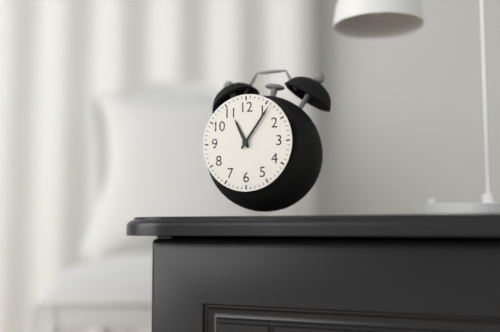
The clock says h=11 m=6
